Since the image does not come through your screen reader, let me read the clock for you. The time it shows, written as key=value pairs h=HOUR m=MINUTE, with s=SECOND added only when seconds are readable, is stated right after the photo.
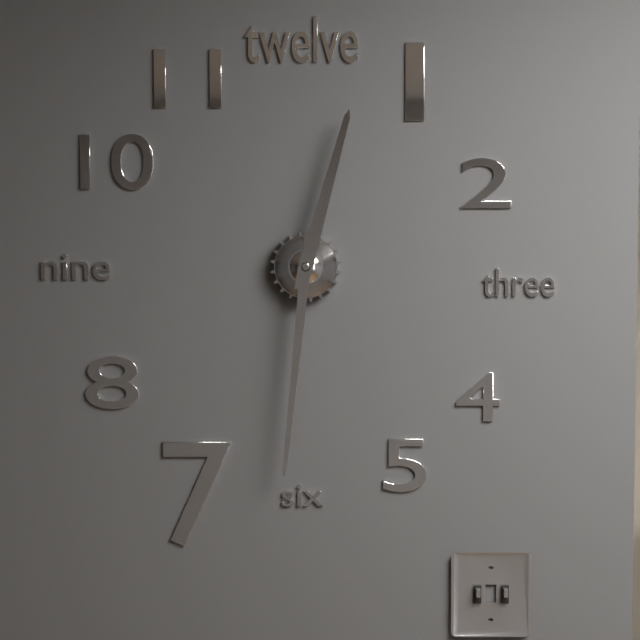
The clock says h=12 m=31
